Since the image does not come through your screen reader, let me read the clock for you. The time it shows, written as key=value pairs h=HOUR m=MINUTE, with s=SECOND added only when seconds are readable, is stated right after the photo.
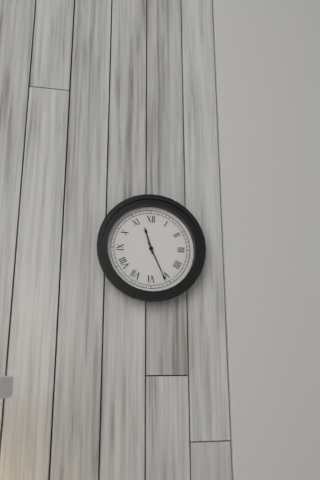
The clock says h=11 m=26
